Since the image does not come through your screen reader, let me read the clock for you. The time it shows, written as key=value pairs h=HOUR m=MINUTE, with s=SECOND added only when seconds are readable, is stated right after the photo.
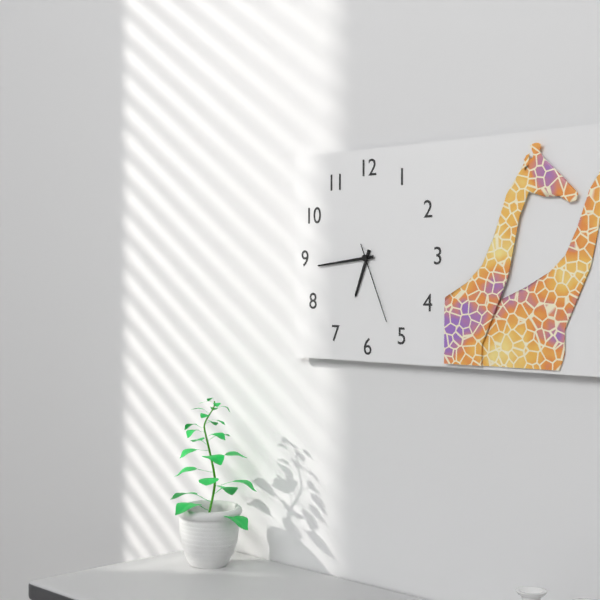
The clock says h=6 m=44 s=26
